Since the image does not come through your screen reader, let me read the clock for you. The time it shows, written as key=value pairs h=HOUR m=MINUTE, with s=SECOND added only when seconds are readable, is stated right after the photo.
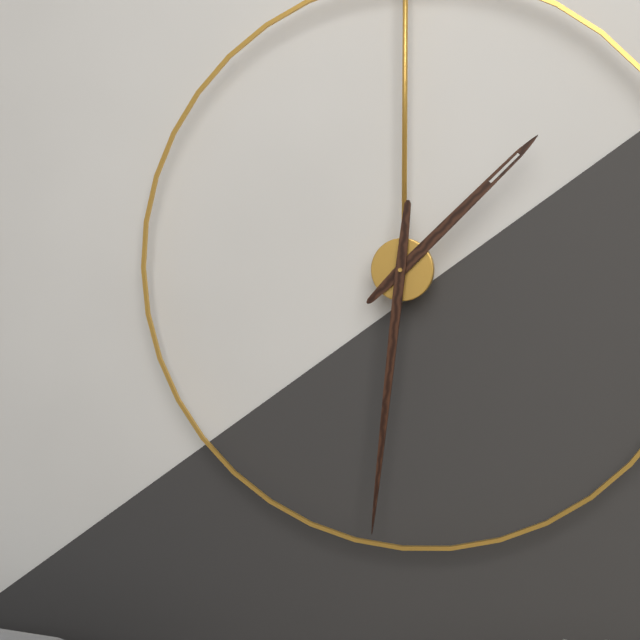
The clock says h=1 m=31
